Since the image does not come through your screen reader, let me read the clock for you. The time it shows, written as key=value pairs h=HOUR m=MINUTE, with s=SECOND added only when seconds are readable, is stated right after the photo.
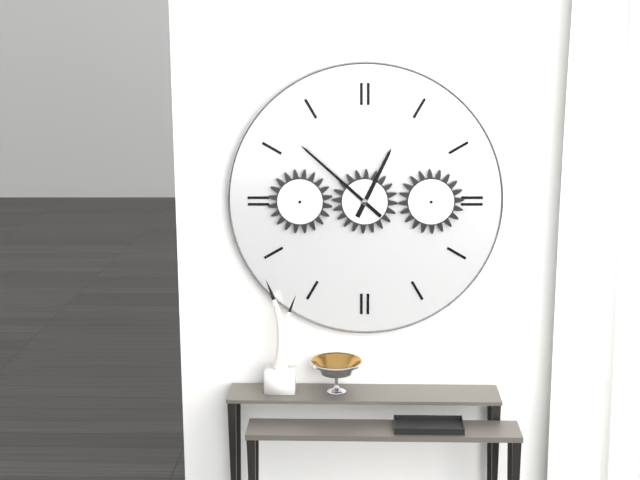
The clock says h=12 m=52
